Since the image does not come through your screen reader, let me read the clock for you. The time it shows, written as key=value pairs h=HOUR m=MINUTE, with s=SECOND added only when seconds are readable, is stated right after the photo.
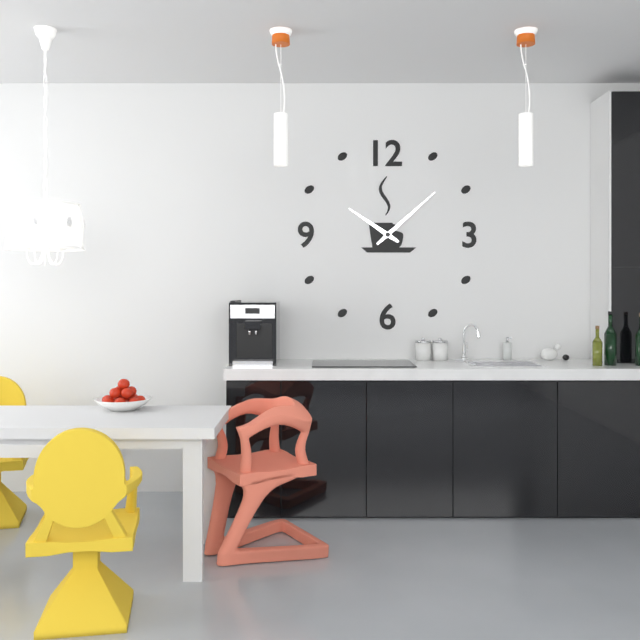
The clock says h=10 m=8
